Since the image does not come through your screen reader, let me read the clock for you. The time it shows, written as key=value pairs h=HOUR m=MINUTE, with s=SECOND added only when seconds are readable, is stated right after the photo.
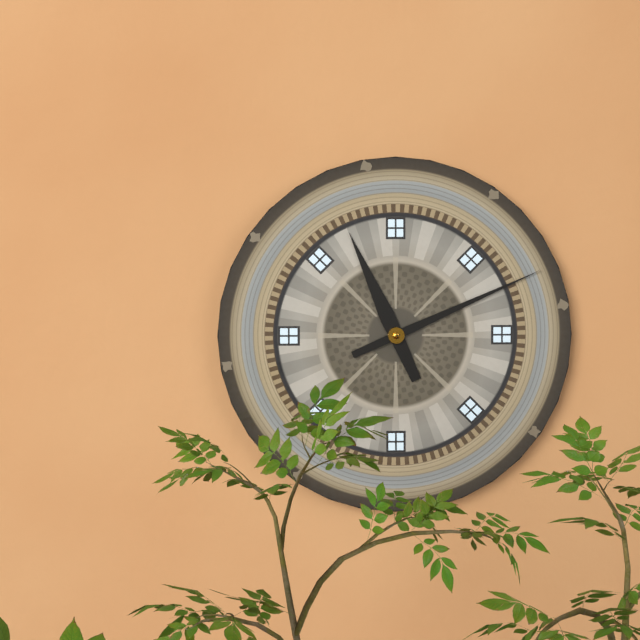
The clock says h=11 m=11
